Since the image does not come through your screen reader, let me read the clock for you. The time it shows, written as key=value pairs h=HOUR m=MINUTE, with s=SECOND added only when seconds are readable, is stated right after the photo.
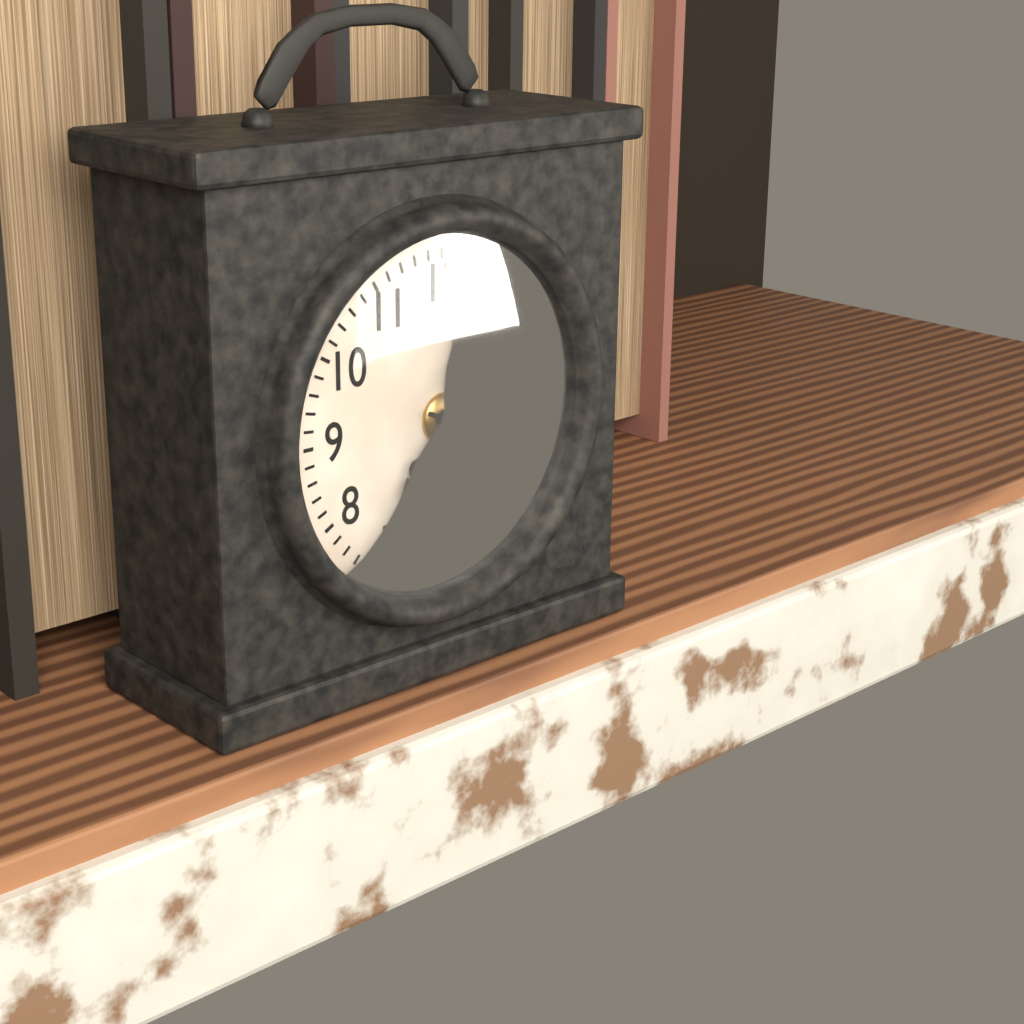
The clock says h=7 m=19
